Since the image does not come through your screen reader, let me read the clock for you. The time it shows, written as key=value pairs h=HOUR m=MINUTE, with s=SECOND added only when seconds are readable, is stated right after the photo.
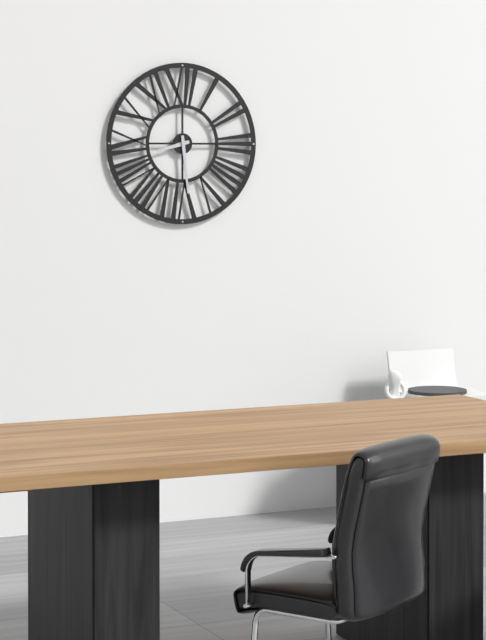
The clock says h=8 m=29
